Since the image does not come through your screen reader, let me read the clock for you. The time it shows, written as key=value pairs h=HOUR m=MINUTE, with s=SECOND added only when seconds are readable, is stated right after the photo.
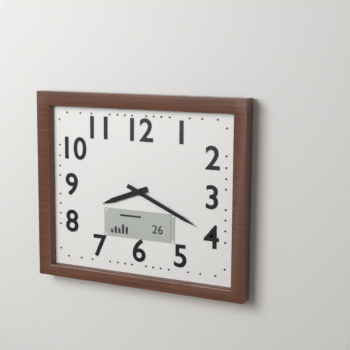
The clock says h=8 m=19
